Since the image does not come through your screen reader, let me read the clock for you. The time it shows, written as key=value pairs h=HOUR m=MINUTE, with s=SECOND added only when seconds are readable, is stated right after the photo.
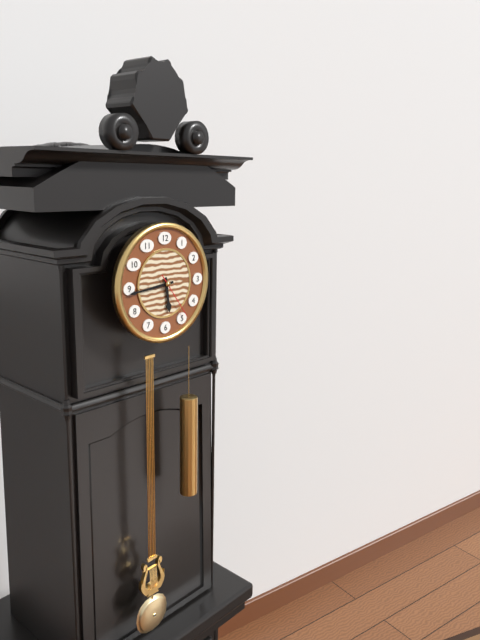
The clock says h=5 m=44
